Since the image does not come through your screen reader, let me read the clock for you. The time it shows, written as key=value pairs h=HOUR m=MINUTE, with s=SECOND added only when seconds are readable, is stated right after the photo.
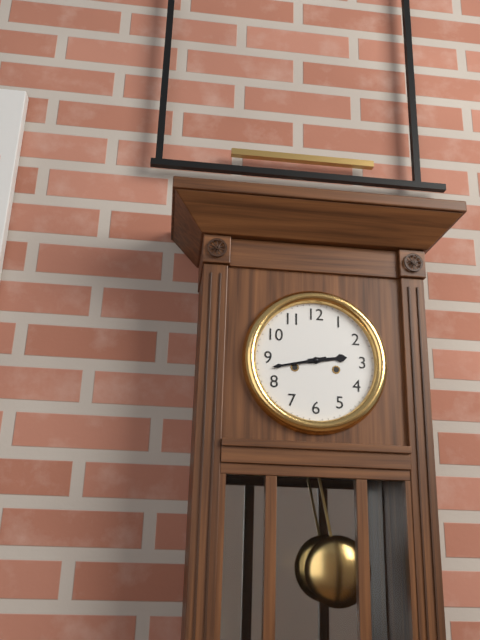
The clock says h=2 m=43
